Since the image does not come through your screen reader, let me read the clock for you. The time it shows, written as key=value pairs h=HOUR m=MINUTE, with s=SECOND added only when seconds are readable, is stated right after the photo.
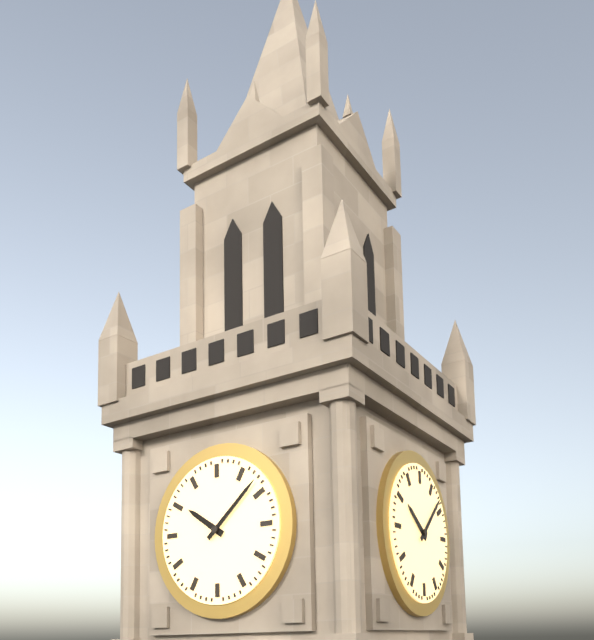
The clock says h=10 m=8
